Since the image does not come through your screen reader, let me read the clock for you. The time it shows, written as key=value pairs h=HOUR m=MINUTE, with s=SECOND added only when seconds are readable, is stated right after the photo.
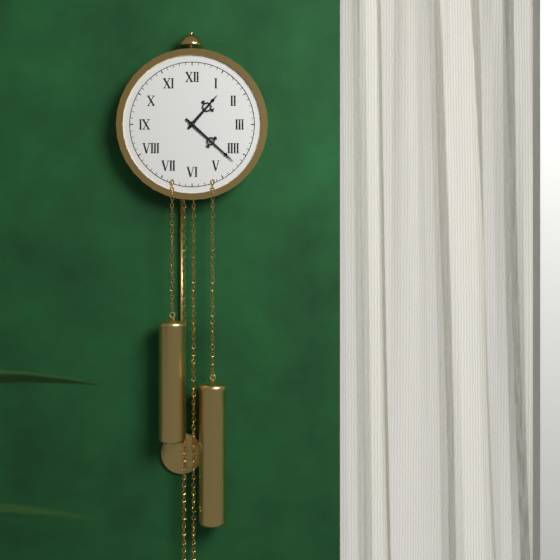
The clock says h=1 m=22
